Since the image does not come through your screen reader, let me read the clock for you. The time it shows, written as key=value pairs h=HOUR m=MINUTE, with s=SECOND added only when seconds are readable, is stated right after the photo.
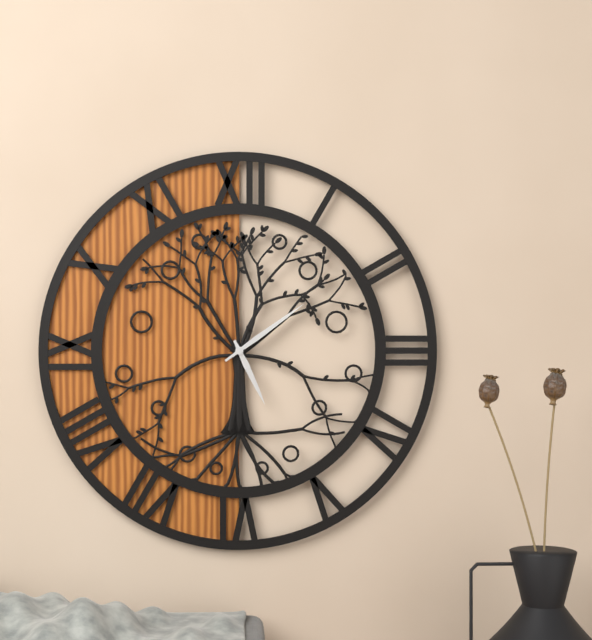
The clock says h=5 m=9
